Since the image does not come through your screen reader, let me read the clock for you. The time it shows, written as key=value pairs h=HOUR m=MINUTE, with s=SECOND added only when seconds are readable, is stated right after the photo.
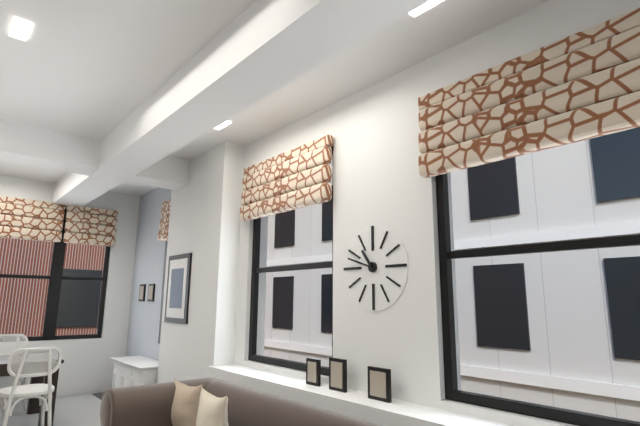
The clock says h=10 m=48
